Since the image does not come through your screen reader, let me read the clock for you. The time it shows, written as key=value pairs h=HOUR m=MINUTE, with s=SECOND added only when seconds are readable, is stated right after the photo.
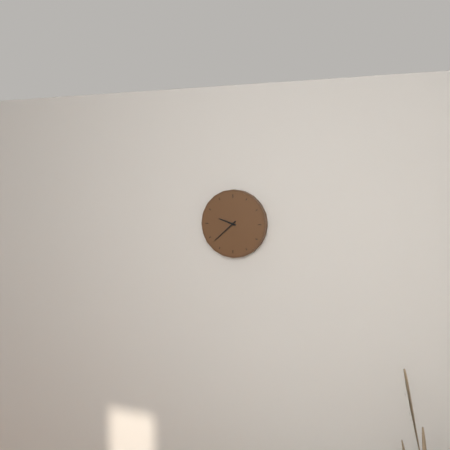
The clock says h=9 m=38
